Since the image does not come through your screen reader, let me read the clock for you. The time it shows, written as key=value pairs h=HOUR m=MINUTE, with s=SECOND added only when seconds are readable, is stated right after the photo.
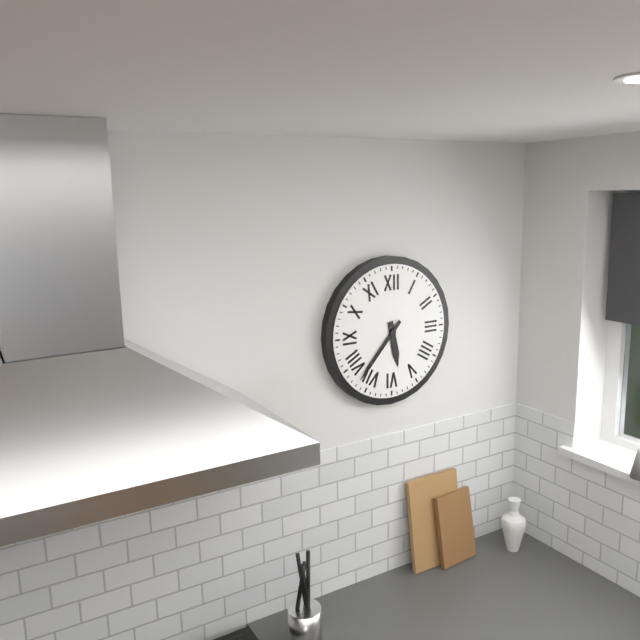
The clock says h=5 m=37
